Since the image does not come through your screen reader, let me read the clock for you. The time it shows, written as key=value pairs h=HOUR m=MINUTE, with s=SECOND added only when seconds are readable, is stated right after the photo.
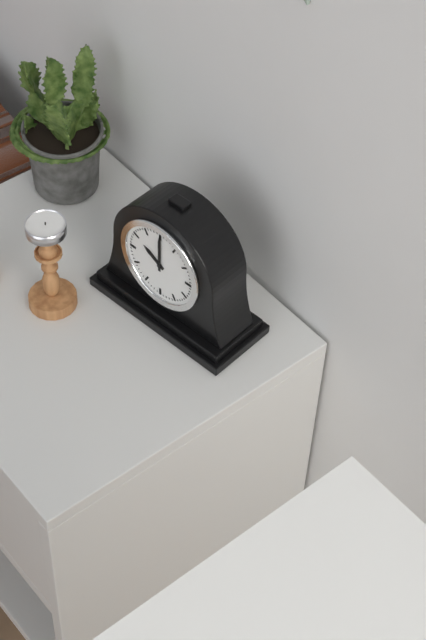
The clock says h=10 m=0
